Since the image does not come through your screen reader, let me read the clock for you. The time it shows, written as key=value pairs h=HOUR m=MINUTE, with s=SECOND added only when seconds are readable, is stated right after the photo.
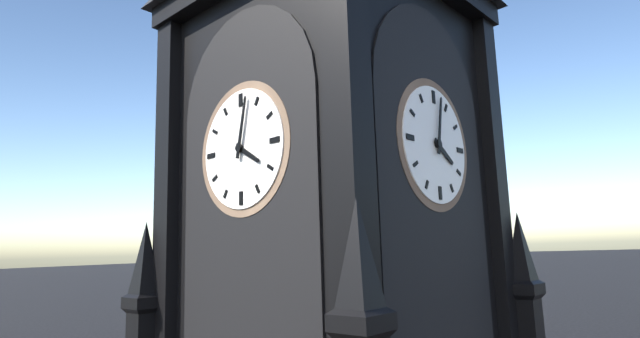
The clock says h=4 m=2
